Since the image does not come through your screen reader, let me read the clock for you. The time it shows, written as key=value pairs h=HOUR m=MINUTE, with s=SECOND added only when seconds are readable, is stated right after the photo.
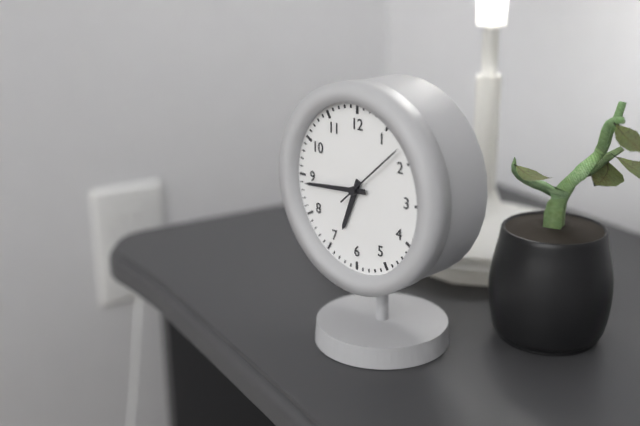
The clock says h=6 m=44 s=8
